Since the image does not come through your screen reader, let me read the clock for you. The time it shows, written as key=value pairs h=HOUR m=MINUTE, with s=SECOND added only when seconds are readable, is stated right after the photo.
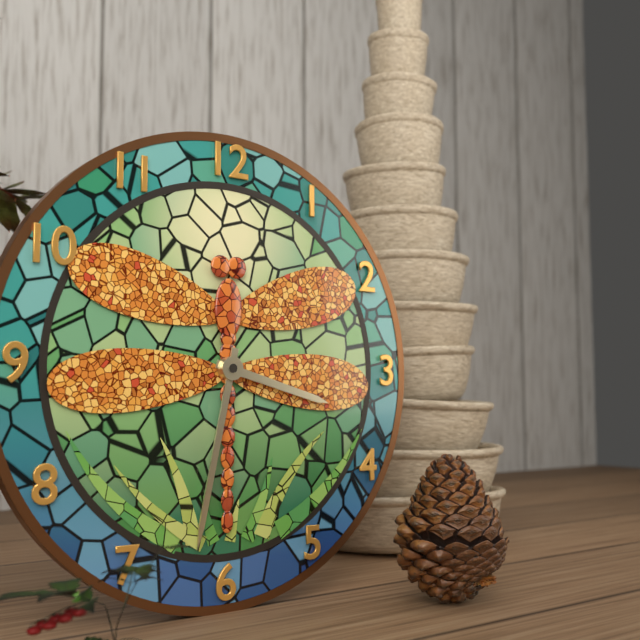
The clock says h=3 m=32
